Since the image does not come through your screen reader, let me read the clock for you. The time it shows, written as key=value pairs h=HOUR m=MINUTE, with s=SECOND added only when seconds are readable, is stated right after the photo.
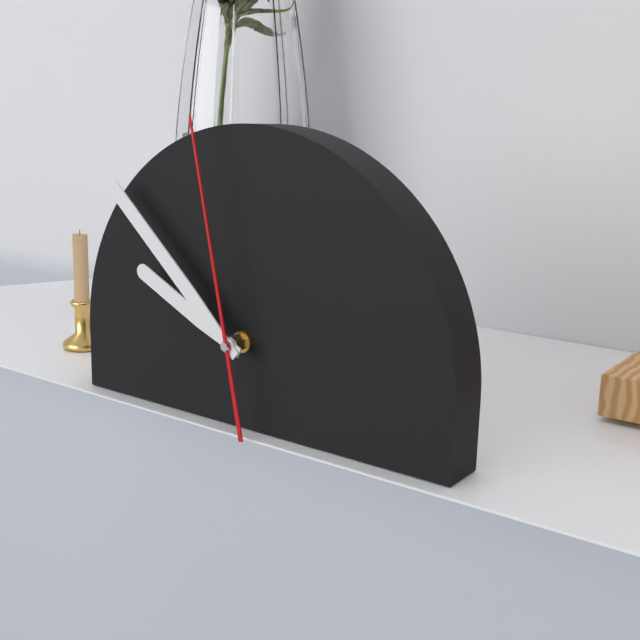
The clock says h=9 m=52 s=58
